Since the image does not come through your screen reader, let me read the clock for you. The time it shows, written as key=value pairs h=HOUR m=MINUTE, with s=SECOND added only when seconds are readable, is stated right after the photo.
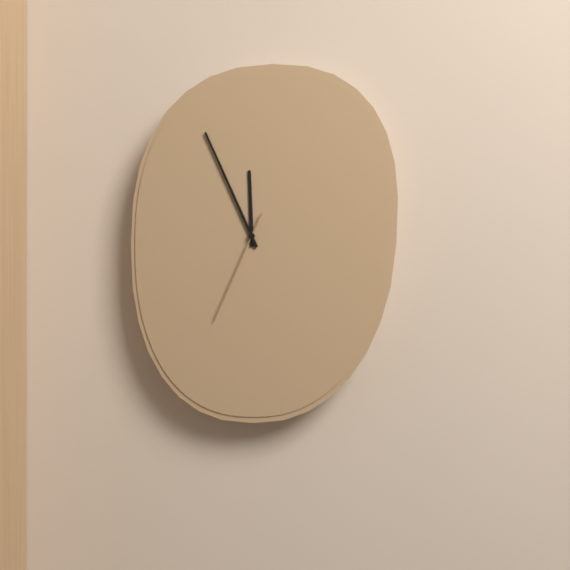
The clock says h=11 m=56 s=34
